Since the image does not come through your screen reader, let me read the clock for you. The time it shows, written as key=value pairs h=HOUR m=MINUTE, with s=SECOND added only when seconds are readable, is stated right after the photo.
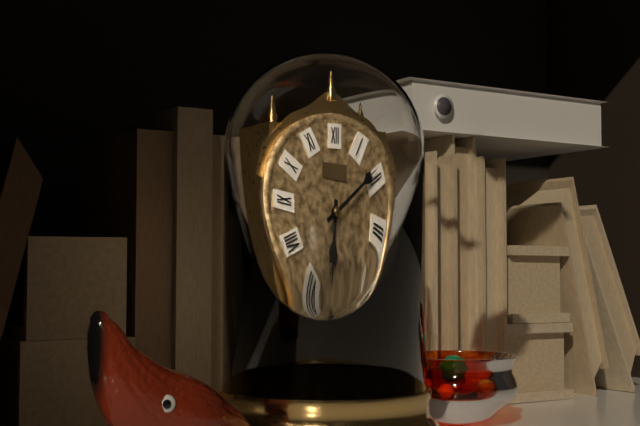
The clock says h=6 m=9
